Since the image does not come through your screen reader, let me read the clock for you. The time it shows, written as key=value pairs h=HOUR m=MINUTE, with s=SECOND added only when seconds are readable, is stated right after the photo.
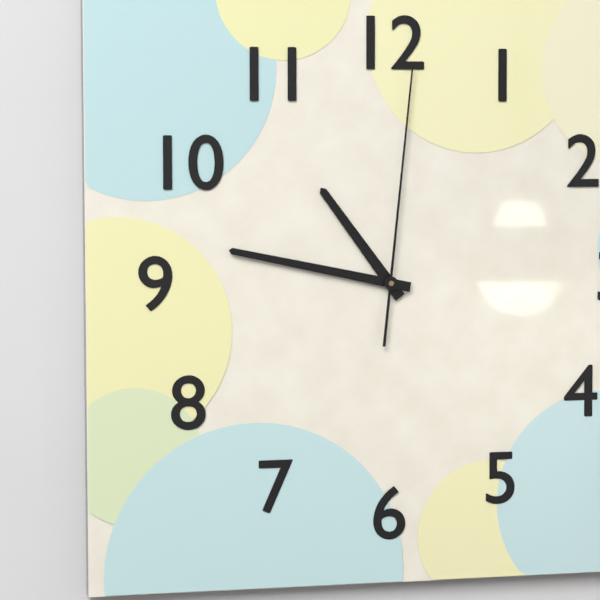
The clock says h=10 m=47 s=1
